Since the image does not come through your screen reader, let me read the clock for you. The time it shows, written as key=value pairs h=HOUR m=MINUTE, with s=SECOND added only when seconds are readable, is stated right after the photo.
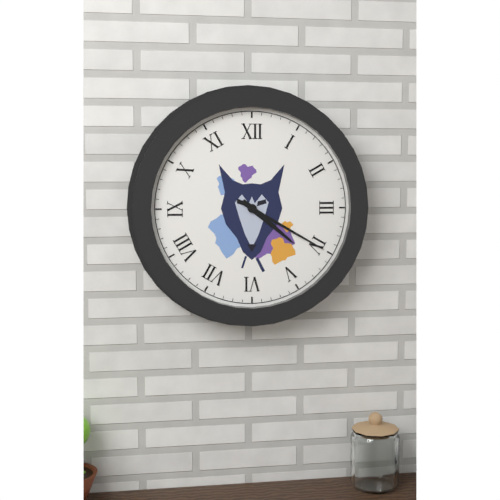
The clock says h=4 m=20
